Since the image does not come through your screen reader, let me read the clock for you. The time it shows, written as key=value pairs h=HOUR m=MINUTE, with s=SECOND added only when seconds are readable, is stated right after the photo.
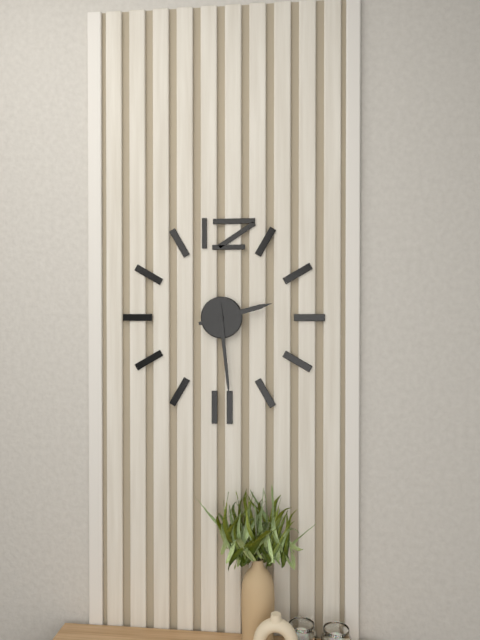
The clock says h=2 m=29
